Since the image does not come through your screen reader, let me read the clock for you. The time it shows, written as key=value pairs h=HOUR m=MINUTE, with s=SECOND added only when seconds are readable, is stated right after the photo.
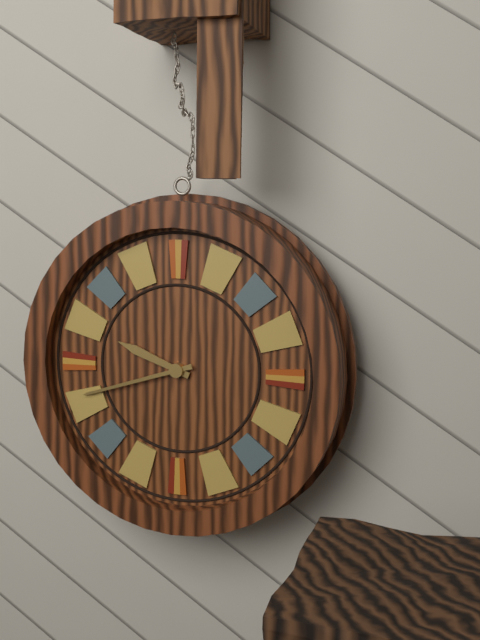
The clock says h=9 m=42
